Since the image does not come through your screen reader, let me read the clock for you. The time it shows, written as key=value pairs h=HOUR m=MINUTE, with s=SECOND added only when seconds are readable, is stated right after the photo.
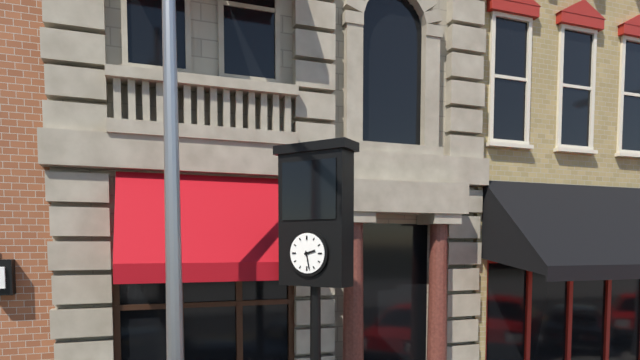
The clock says h=2 m=28
